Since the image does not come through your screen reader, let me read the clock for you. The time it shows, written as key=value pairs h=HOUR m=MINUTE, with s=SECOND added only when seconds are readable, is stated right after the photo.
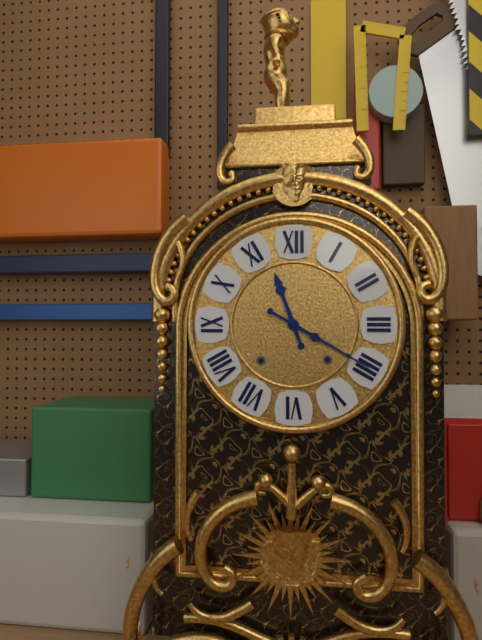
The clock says h=11 m=20
